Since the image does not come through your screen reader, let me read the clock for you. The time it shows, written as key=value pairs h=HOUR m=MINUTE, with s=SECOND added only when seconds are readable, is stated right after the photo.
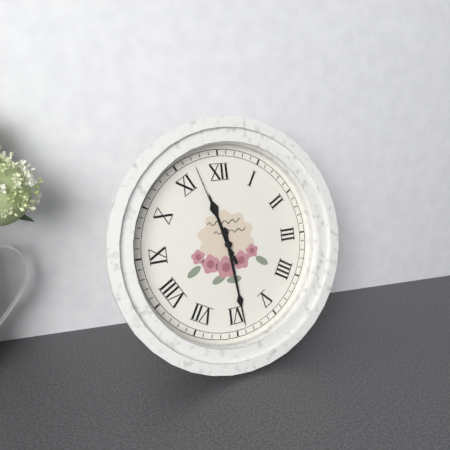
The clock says h=11 m=29 s=57
